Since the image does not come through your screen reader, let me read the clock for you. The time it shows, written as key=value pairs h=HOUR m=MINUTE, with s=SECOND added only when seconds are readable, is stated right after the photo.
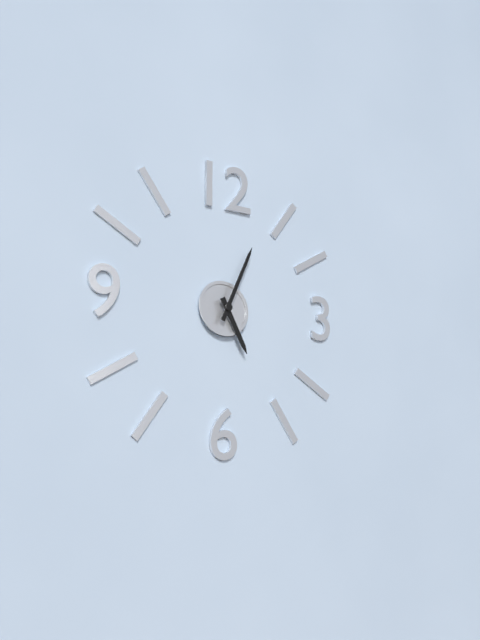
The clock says h=5 m=4
